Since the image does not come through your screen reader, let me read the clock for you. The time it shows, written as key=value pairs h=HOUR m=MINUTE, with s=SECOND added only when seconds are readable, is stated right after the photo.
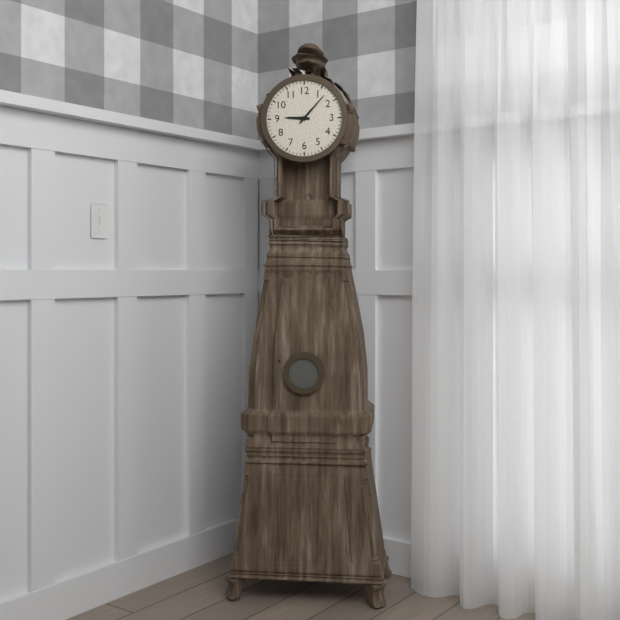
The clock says h=9 m=7
